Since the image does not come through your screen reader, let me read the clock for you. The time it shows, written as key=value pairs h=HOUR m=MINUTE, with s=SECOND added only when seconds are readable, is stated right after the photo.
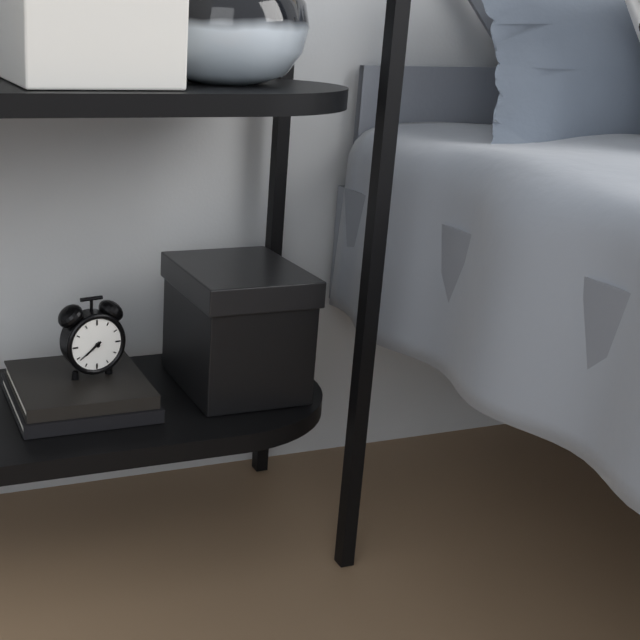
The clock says h=7 m=39
